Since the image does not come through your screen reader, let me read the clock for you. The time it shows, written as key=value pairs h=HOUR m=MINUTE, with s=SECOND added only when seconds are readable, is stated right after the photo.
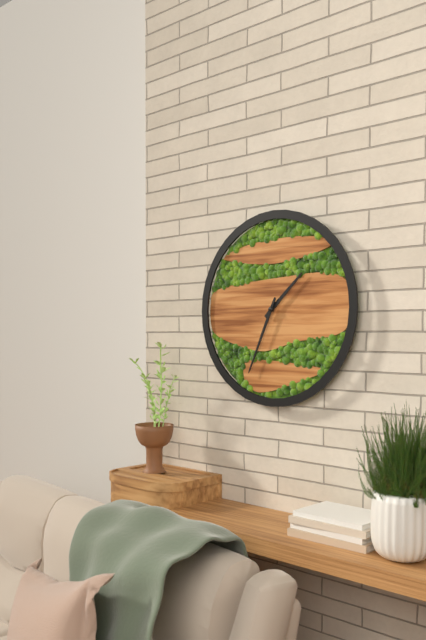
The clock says h=1 m=34
